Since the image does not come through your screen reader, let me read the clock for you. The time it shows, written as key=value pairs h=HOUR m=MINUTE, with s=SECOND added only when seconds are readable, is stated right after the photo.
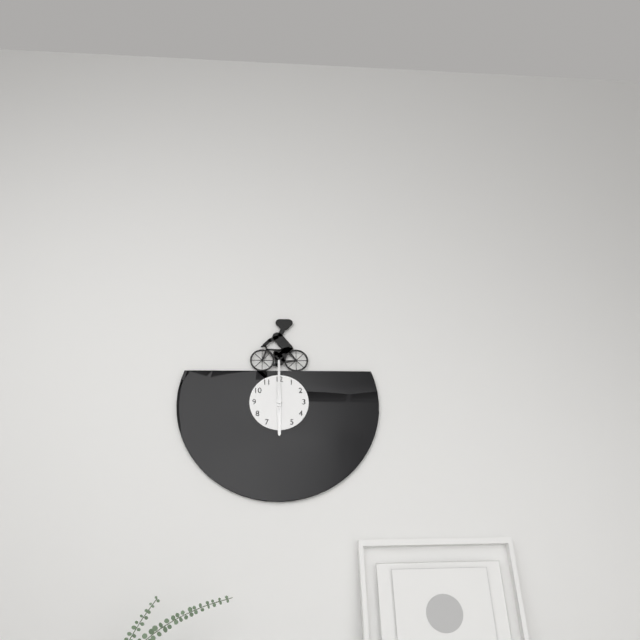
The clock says h=6 m=0 s=0
